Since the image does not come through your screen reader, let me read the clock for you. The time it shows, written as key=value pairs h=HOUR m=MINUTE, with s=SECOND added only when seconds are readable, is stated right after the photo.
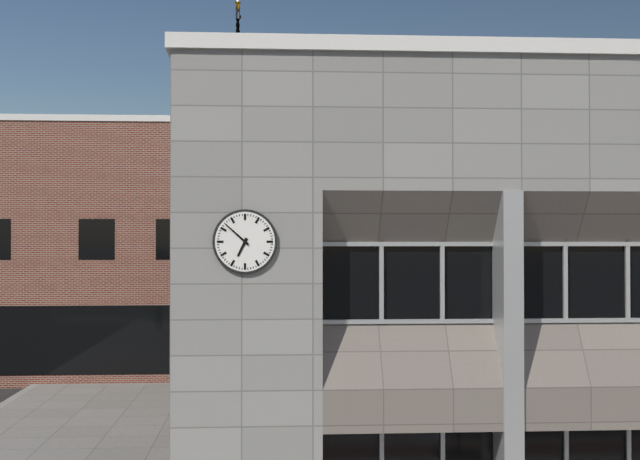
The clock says h=6 m=52
